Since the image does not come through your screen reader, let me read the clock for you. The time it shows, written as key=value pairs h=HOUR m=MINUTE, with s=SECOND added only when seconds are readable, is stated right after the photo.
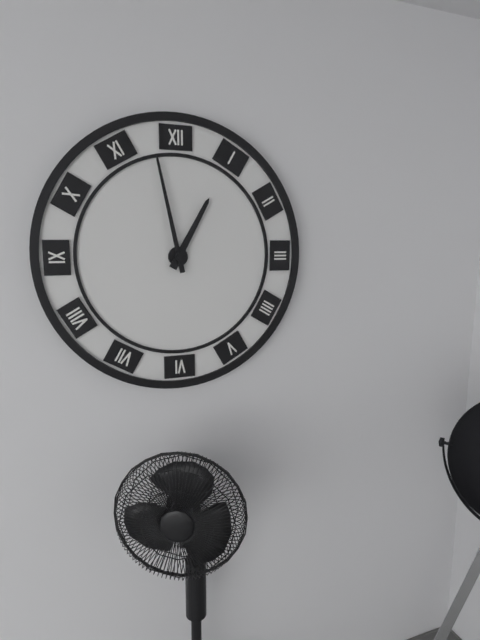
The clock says h=12 m=58
